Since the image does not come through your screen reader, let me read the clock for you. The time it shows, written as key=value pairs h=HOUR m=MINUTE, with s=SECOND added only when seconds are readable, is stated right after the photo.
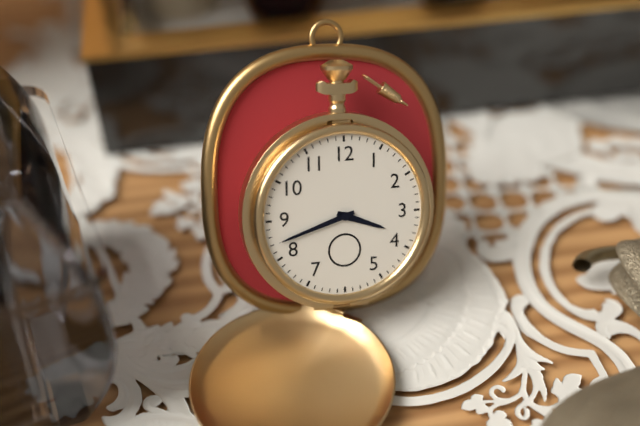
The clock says h=3 m=42
